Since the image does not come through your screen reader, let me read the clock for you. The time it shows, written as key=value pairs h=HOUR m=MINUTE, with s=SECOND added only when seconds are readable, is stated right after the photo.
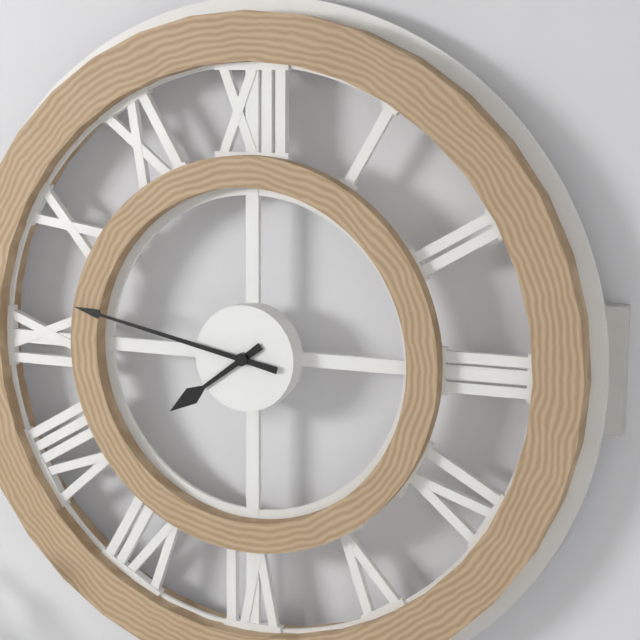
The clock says h=7 m=47
